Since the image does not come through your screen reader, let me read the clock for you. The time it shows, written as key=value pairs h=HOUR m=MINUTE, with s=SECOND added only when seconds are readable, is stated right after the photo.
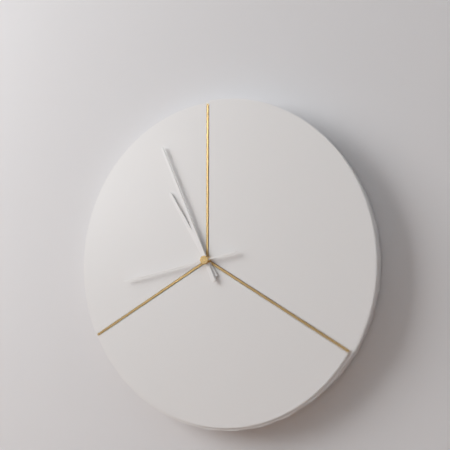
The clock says h=10 m=56 s=43
